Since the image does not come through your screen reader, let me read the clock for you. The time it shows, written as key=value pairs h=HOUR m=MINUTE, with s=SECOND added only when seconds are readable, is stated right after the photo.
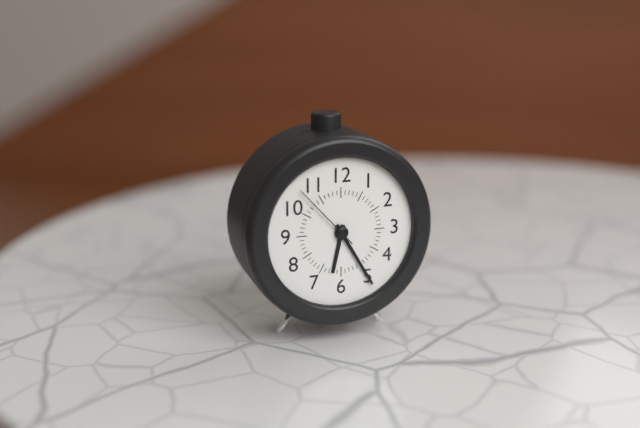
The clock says h=6 m=25 s=53
